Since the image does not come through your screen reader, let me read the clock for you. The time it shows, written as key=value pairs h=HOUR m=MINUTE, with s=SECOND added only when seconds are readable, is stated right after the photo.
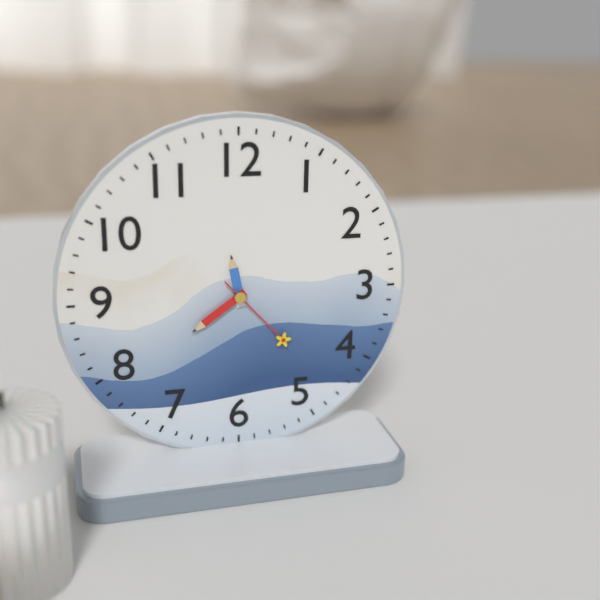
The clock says h=11 m=39 s=23
